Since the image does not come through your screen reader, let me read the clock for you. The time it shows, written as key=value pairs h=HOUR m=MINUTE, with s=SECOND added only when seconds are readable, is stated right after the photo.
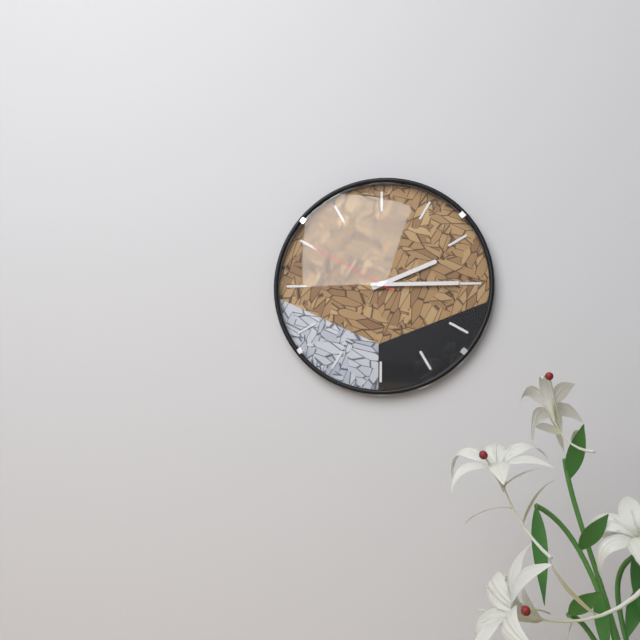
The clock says h=2 m=15 s=50
